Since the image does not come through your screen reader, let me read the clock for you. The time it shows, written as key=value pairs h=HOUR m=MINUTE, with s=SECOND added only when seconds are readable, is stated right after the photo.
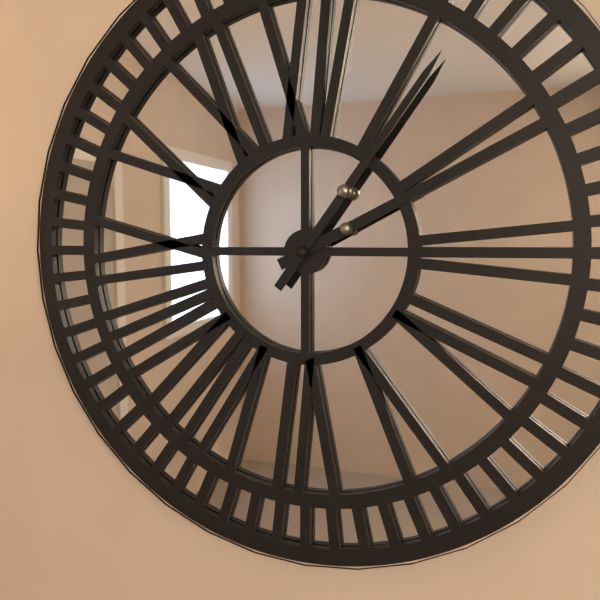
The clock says h=2 m=6
